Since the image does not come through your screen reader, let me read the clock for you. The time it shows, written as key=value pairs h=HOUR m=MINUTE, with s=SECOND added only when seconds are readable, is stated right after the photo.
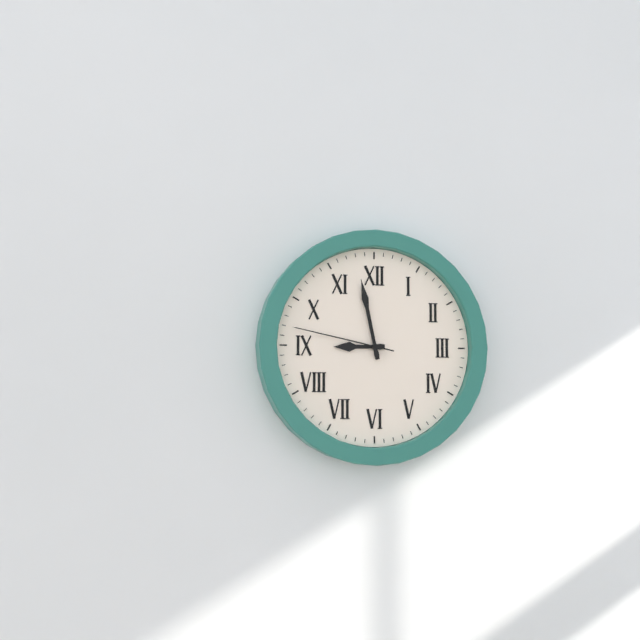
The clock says h=8 m=58 s=47
